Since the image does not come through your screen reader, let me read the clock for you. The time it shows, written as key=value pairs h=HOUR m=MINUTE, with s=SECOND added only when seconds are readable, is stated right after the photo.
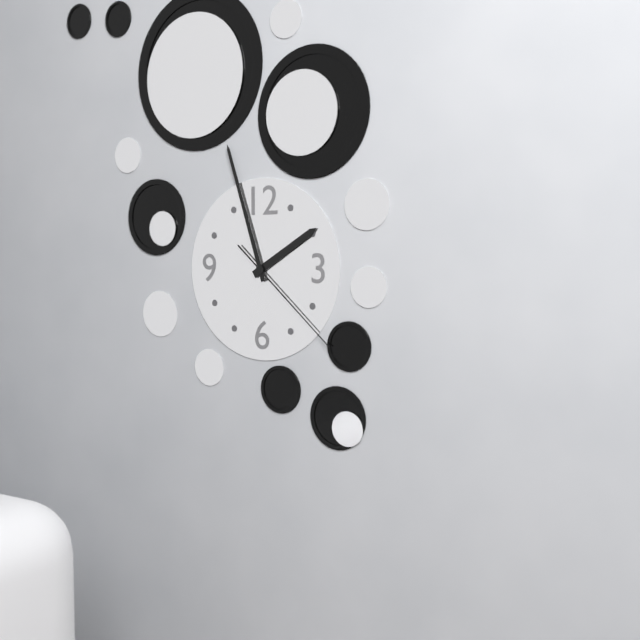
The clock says h=1 m=57 s=22
